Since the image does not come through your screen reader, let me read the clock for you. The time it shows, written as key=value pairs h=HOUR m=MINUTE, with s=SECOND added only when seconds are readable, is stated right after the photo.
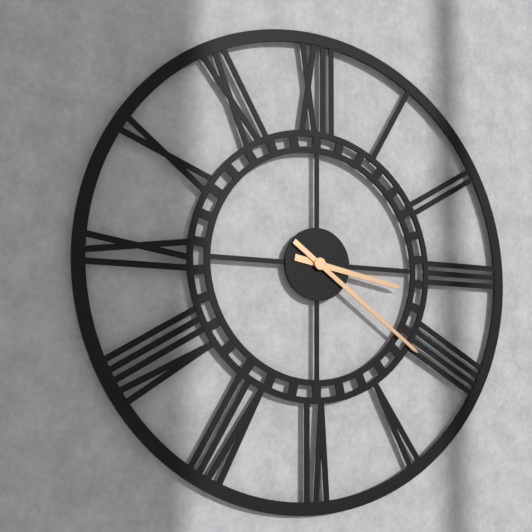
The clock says h=3 m=21
